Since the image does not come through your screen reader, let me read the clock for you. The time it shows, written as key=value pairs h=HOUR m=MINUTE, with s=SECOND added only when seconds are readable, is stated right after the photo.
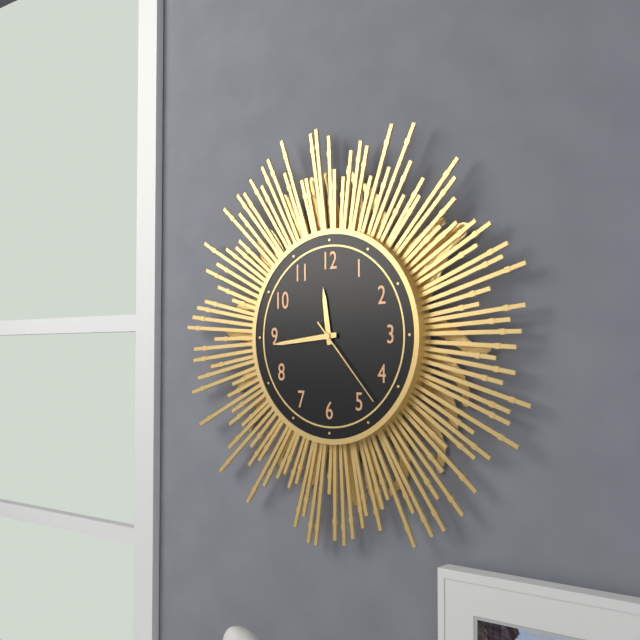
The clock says h=11 m=44 s=23
